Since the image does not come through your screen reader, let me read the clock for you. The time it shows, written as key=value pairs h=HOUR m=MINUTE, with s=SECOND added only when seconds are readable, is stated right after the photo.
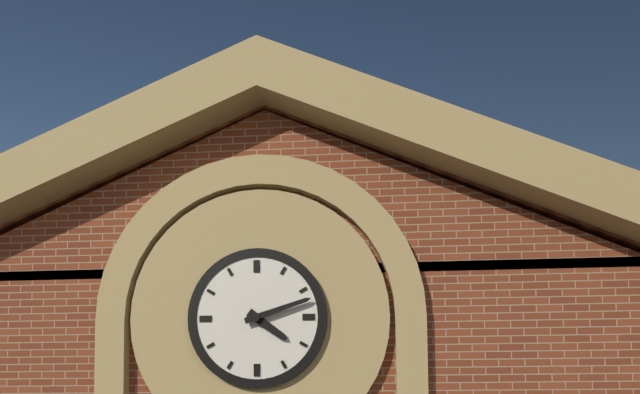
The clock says h=4 m=12
